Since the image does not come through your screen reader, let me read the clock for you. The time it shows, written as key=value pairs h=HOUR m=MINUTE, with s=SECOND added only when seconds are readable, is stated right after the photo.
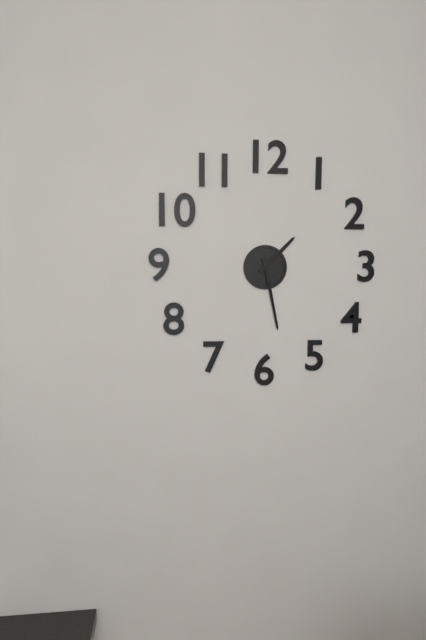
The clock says h=1 m=28
